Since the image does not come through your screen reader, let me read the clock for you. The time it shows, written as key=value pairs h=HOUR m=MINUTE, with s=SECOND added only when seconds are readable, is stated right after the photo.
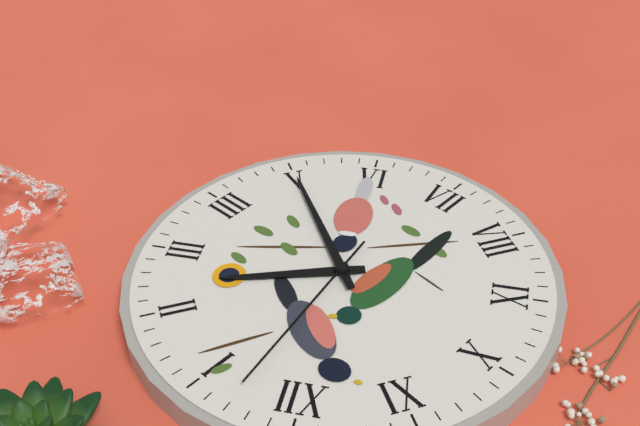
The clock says h=2 m=25 s=3
